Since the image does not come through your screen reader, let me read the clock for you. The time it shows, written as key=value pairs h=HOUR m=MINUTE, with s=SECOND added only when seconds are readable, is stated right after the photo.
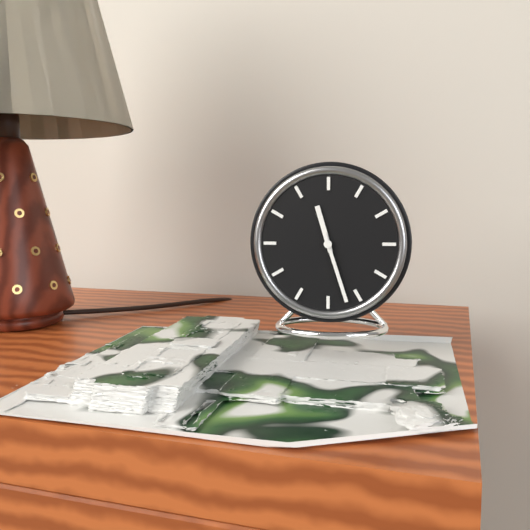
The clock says h=11 m=27
